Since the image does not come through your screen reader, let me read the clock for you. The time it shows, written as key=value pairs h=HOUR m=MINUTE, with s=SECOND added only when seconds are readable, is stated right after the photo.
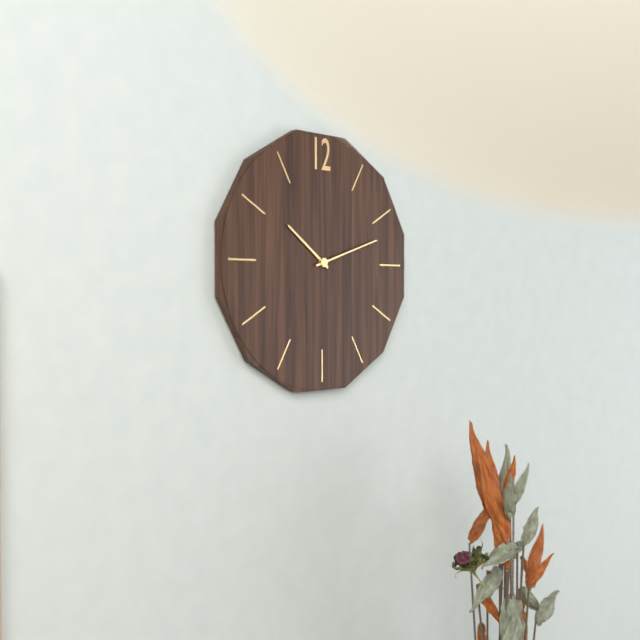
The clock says h=10 m=12
